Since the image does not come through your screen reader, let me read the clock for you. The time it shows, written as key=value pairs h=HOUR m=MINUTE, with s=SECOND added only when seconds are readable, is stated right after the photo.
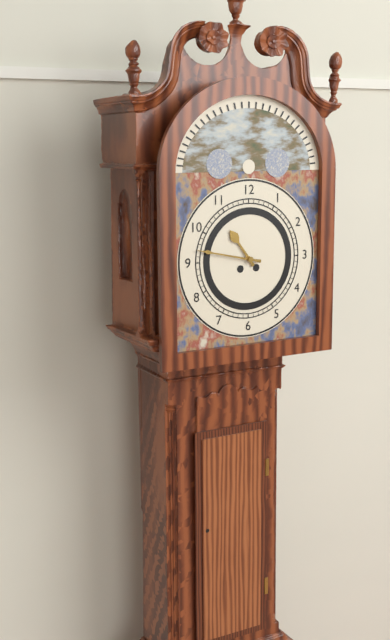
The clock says h=10 m=47
